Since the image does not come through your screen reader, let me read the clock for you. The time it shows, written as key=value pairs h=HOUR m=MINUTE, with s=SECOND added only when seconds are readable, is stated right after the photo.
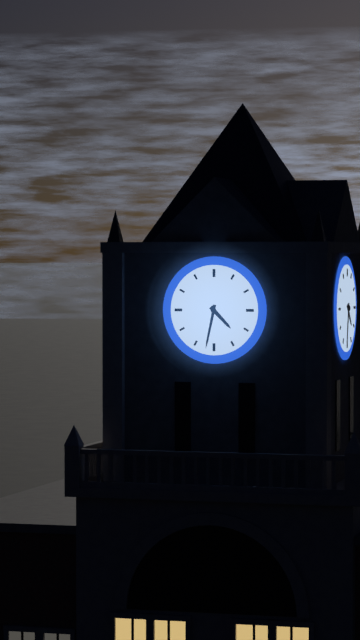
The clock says h=4 m=32
